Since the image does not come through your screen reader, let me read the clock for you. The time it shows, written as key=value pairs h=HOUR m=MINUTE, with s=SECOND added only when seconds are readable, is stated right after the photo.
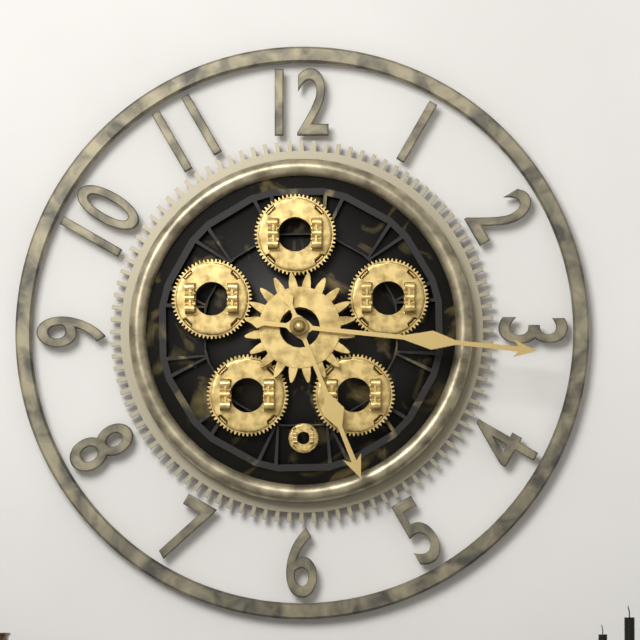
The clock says h=5 m=16
